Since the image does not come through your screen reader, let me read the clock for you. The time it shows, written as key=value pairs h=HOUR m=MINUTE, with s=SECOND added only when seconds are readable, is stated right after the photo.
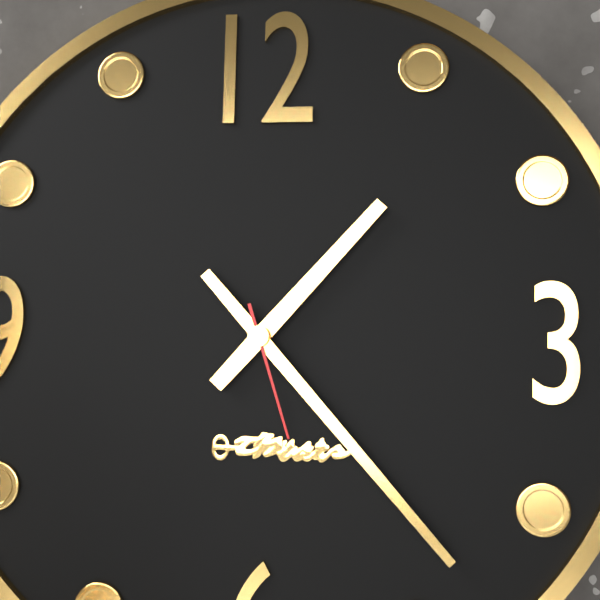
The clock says h=1 m=23 s=27
